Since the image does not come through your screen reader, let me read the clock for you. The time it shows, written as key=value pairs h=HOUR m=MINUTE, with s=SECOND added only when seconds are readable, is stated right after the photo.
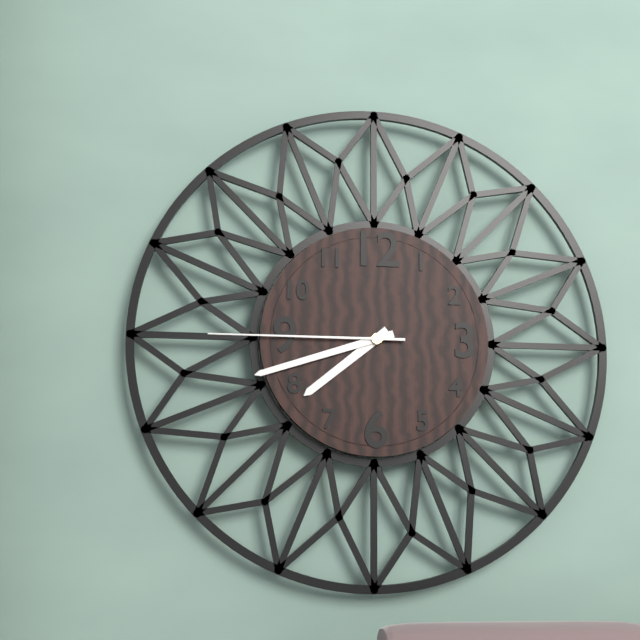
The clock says h=7 m=42 s=45
